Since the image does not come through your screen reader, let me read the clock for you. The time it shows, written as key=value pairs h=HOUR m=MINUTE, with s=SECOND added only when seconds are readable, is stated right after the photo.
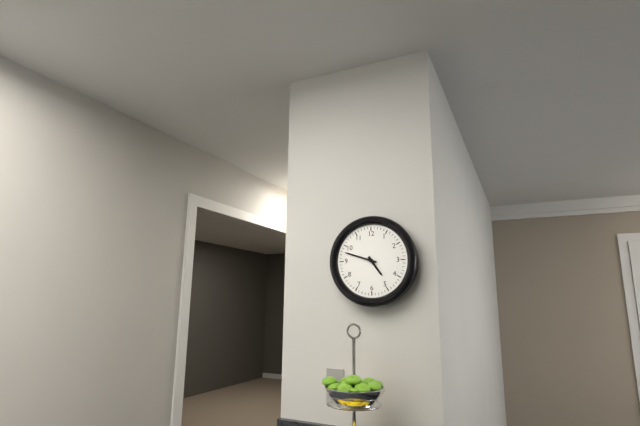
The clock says h=4 m=48
